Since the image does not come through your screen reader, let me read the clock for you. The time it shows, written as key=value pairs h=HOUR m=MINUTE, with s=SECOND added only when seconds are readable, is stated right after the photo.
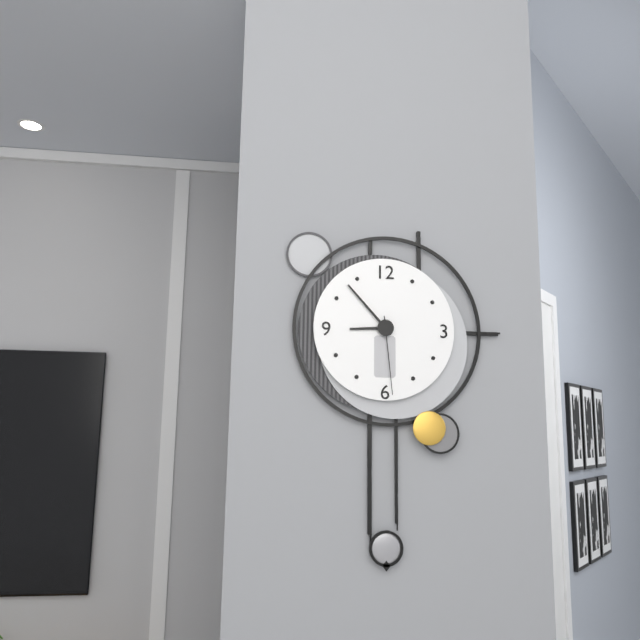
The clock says h=8 m=53 s=29
